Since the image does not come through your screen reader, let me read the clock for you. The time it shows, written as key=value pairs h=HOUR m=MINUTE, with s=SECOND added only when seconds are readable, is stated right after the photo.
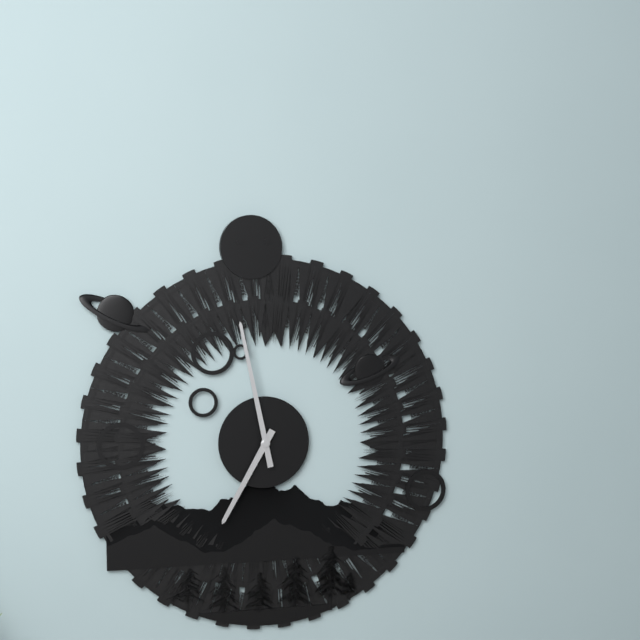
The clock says h=6 m=58
